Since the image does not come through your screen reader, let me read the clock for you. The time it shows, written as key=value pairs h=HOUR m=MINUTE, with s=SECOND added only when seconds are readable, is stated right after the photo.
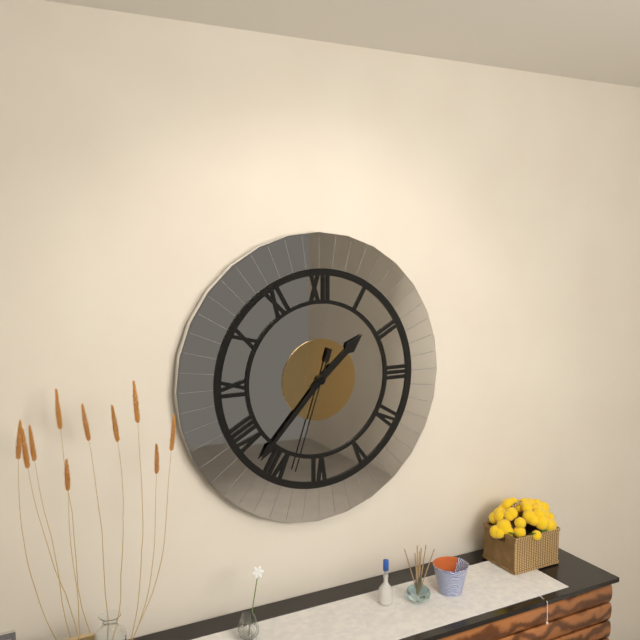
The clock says h=1 m=37 s=33
